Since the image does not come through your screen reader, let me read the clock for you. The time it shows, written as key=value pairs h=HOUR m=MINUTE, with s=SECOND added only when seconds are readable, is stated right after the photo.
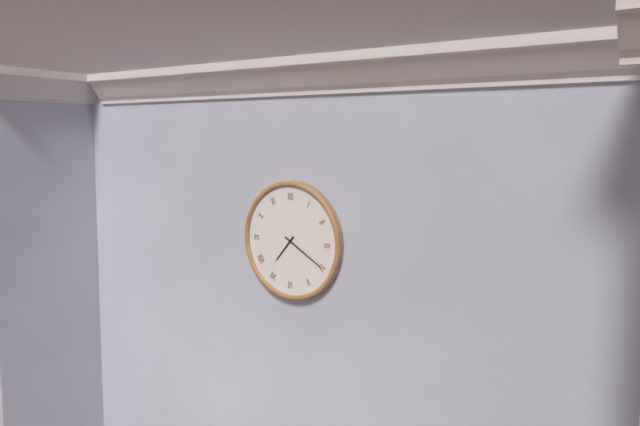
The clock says h=7 m=20
